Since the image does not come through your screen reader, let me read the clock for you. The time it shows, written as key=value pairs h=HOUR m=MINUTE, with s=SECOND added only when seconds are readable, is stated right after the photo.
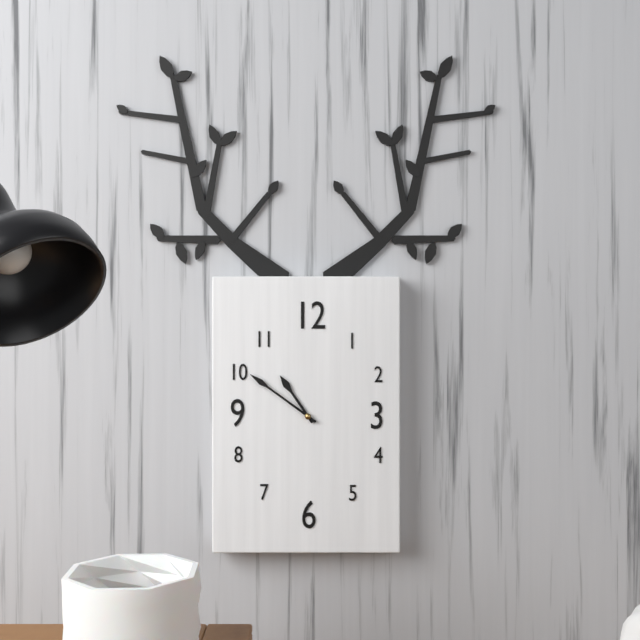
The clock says h=10 m=51
